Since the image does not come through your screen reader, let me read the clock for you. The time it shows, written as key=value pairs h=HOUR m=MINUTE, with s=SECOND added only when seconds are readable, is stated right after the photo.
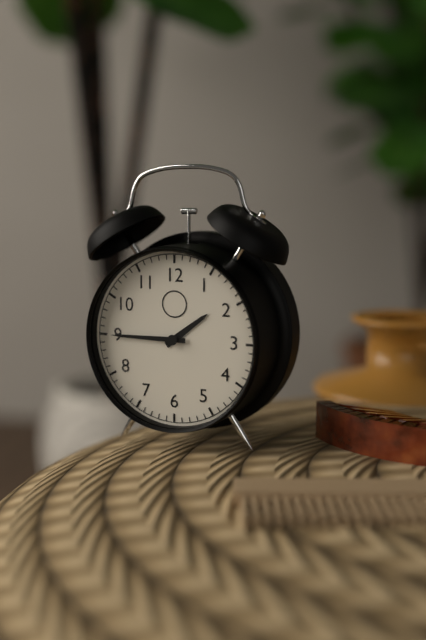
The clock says h=1 m=45
